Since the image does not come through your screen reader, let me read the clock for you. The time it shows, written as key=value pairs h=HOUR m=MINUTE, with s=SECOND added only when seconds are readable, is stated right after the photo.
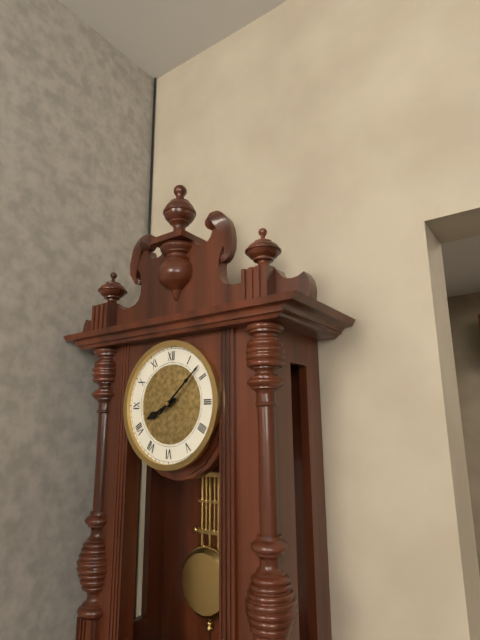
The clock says h=8 m=8
